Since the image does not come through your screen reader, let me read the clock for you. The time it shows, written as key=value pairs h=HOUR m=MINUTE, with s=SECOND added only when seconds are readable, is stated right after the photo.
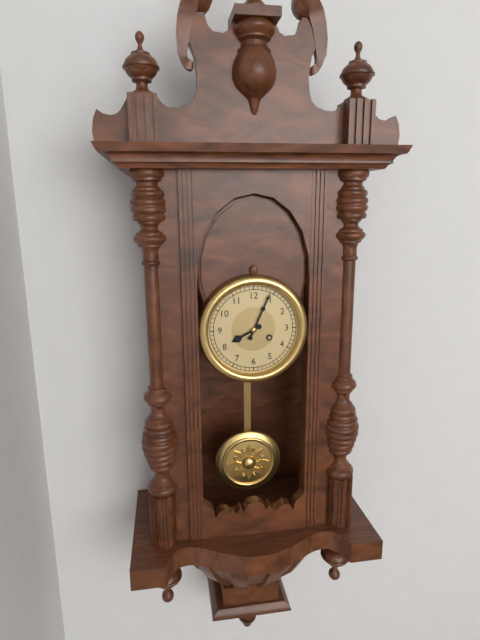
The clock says h=8 m=4
